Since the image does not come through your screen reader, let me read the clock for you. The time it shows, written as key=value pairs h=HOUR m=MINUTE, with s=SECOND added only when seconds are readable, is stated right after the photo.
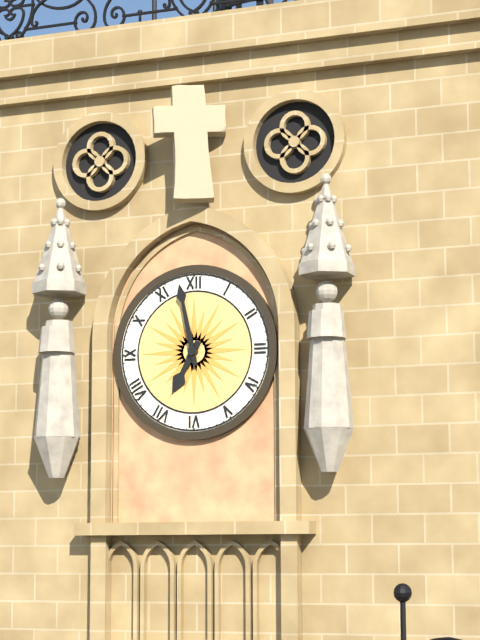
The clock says h=6 m=58
